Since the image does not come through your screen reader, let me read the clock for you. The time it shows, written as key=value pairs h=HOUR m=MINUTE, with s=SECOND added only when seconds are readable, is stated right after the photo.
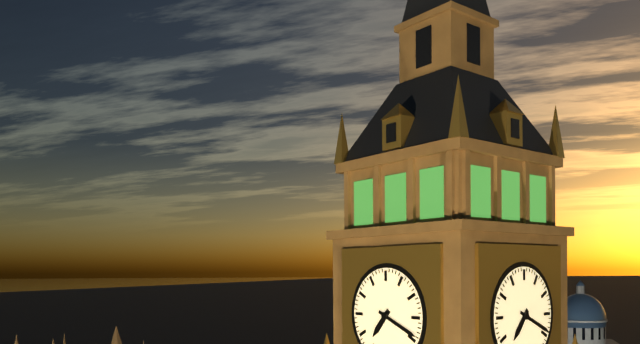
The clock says h=7 m=19
